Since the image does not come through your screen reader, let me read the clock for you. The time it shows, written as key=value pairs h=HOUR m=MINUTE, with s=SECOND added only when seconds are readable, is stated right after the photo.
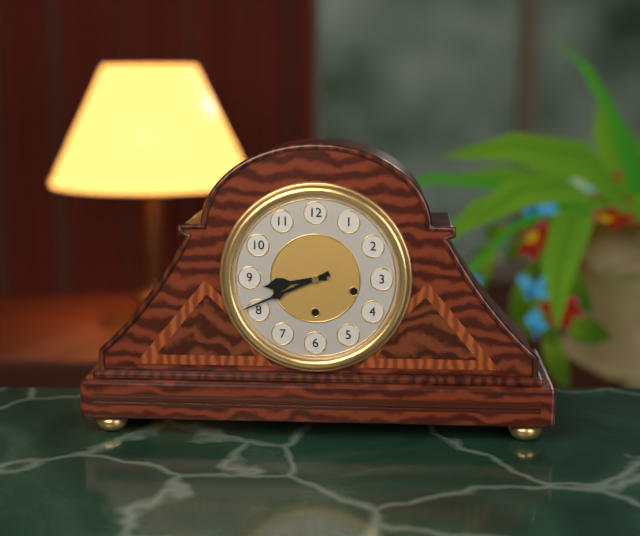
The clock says h=8 m=41
